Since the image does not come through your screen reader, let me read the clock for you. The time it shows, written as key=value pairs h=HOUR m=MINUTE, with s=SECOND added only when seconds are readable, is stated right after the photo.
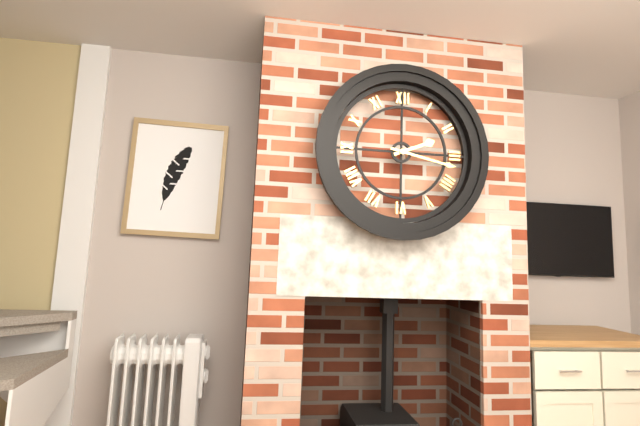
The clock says h=2 m=17
